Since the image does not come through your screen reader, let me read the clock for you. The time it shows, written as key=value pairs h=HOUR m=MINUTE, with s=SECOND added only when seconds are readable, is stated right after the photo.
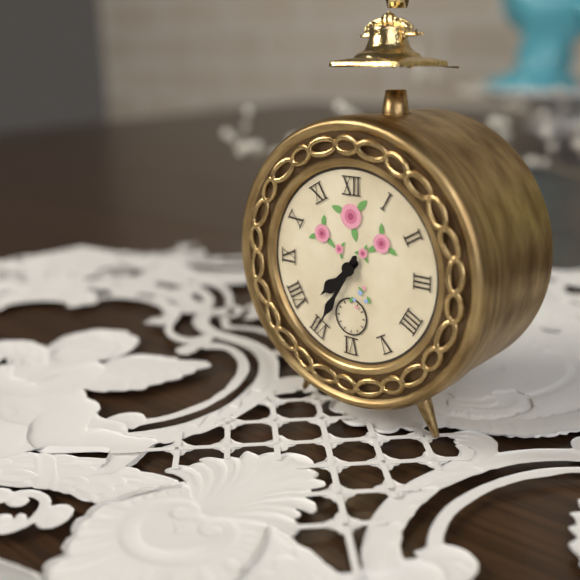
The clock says h=7 m=35
